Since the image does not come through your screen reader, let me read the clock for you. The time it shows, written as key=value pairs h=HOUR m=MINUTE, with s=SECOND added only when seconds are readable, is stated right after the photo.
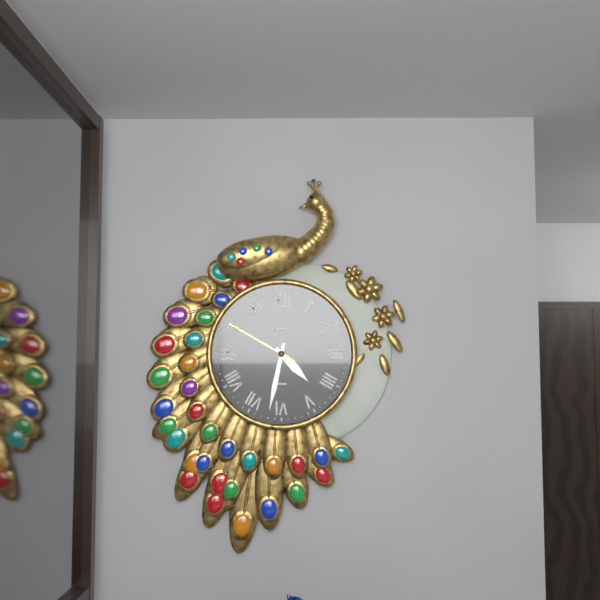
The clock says h=4 m=32 s=50
